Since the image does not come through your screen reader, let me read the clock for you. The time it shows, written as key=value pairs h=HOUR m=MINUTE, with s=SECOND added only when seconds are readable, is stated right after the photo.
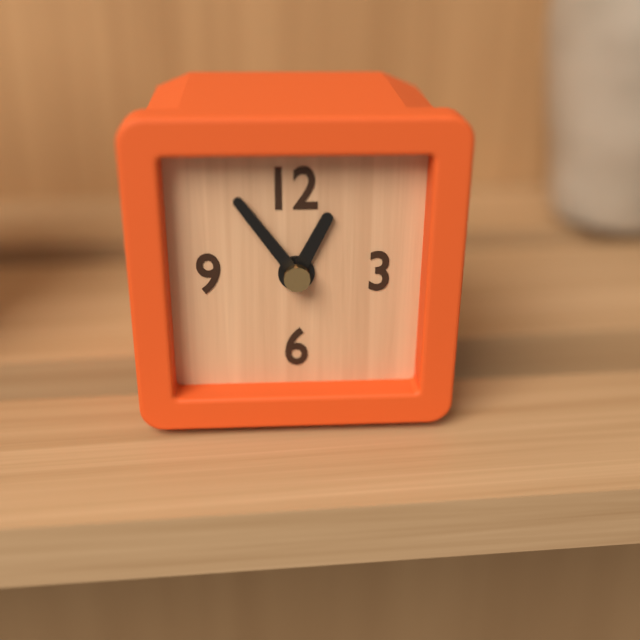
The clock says h=12 m=54
